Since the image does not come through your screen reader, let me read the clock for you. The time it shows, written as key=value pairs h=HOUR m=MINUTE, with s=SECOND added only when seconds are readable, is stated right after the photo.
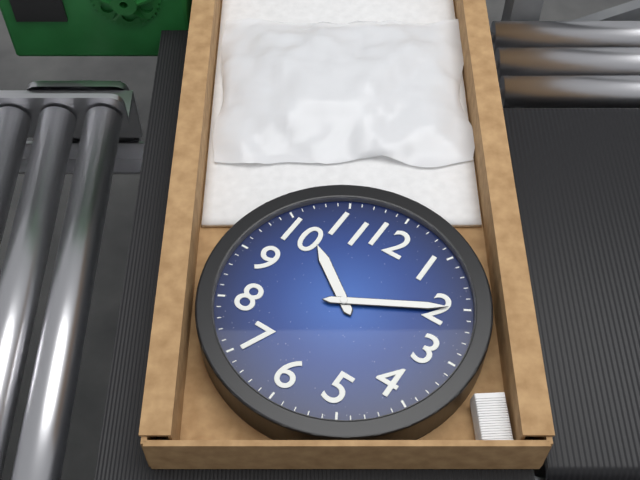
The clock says h=10 m=10
